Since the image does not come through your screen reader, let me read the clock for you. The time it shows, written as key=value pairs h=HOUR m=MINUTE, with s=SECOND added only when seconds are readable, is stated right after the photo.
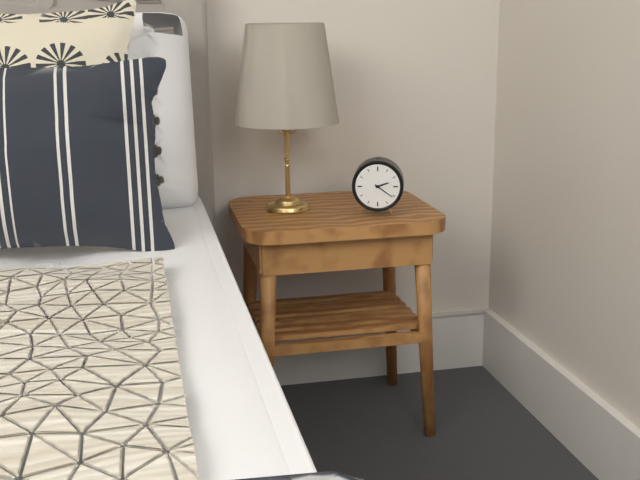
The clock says h=2 m=21
